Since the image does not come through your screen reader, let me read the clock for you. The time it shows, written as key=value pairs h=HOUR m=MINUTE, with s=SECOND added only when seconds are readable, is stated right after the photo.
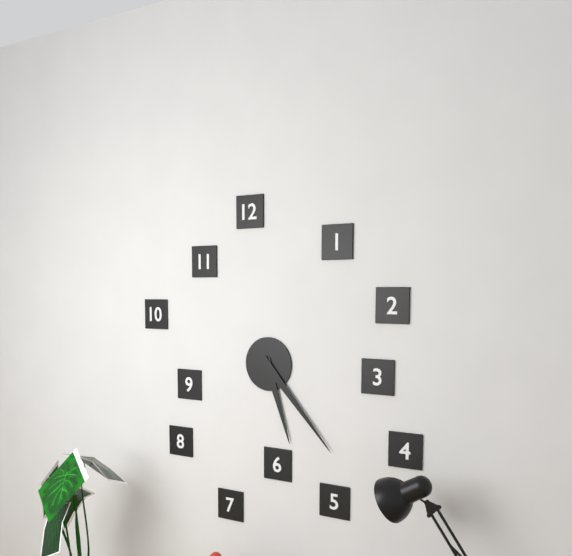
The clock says h=5 m=23
